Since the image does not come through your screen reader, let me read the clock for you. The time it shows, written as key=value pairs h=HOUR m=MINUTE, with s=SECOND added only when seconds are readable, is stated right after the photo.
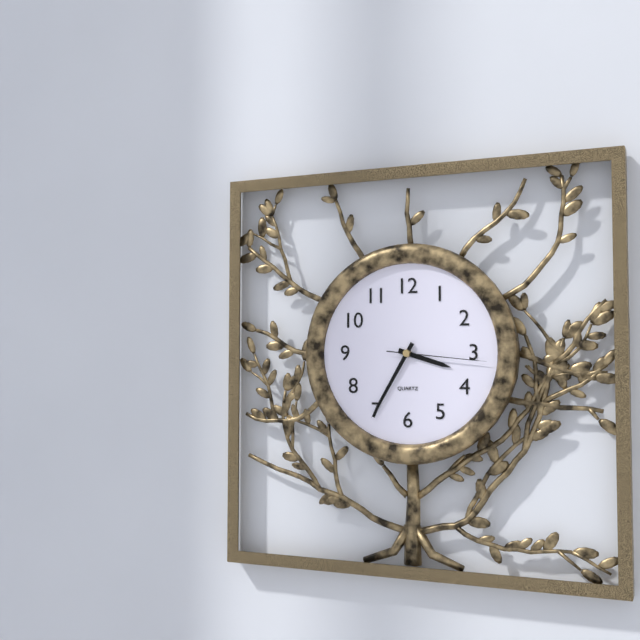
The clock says h=3 m=35 s=16
